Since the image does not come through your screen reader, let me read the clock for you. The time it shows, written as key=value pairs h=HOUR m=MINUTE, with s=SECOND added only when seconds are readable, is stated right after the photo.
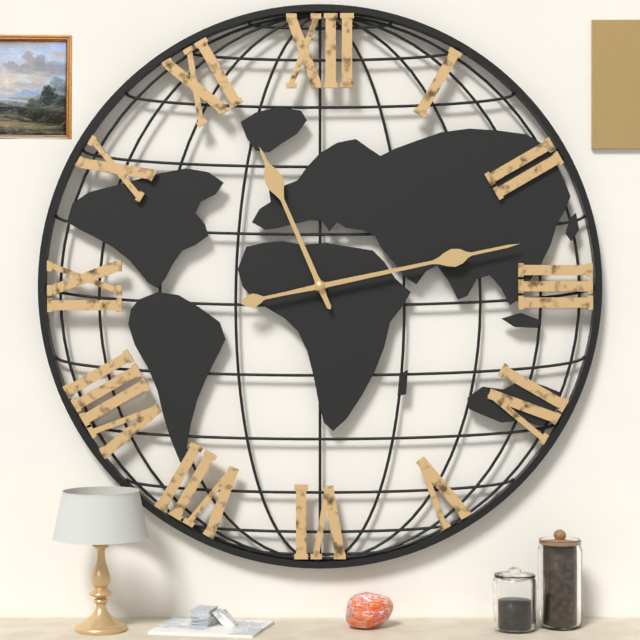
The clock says h=11 m=13
